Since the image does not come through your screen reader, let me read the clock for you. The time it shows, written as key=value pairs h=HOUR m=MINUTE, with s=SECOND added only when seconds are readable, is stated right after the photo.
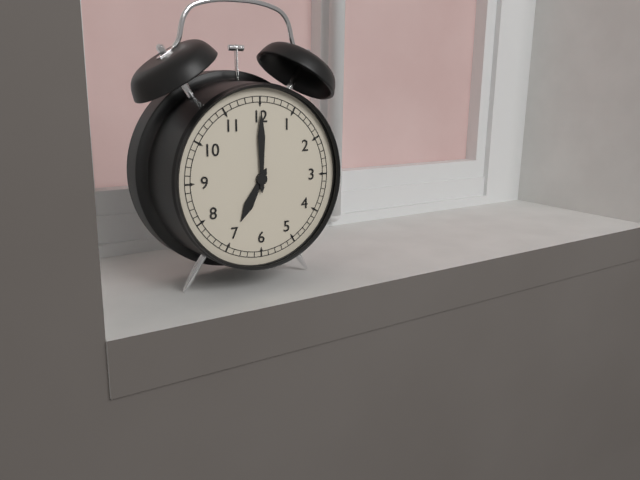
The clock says h=7 m=0
